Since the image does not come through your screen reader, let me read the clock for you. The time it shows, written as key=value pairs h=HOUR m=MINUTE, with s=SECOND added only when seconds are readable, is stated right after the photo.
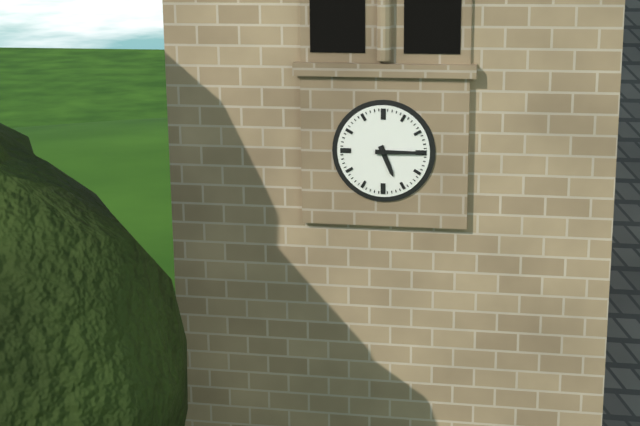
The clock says h=5 m=15
